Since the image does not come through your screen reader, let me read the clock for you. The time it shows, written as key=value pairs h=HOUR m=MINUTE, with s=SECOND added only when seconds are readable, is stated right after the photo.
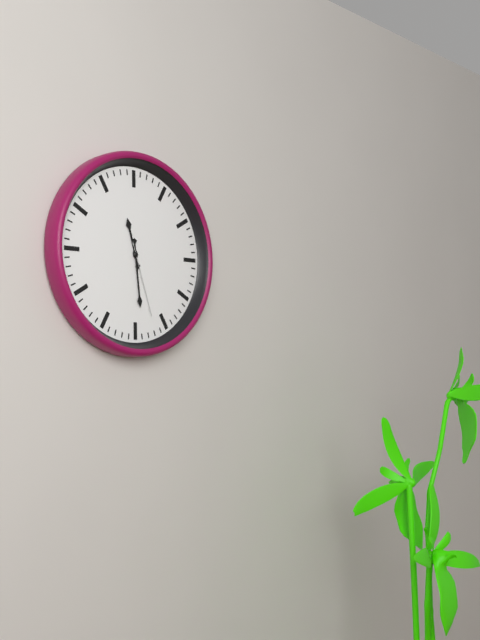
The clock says h=11 m=29 s=27
